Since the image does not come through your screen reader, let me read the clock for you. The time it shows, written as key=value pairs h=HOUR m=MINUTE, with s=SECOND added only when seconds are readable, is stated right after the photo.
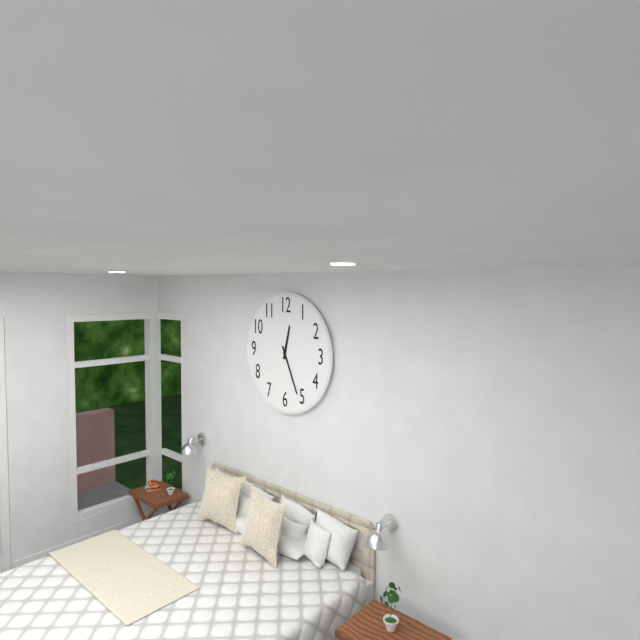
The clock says h=12 m=26
